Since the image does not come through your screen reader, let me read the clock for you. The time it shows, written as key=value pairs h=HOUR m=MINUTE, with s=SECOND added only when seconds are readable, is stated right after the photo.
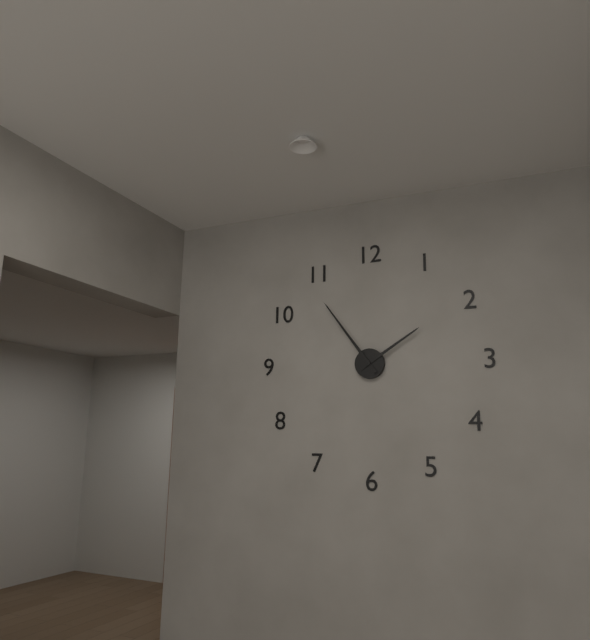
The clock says h=1 m=54
